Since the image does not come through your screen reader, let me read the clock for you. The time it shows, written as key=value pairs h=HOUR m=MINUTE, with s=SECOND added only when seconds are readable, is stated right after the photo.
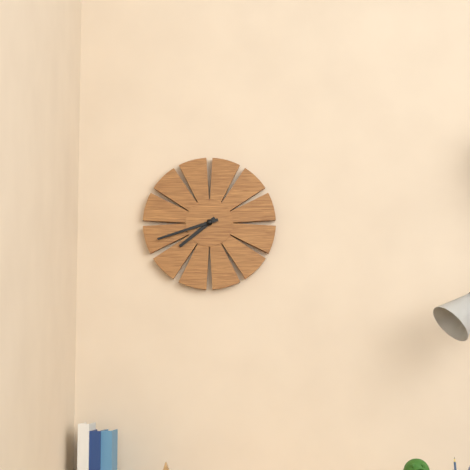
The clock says h=7 m=42
